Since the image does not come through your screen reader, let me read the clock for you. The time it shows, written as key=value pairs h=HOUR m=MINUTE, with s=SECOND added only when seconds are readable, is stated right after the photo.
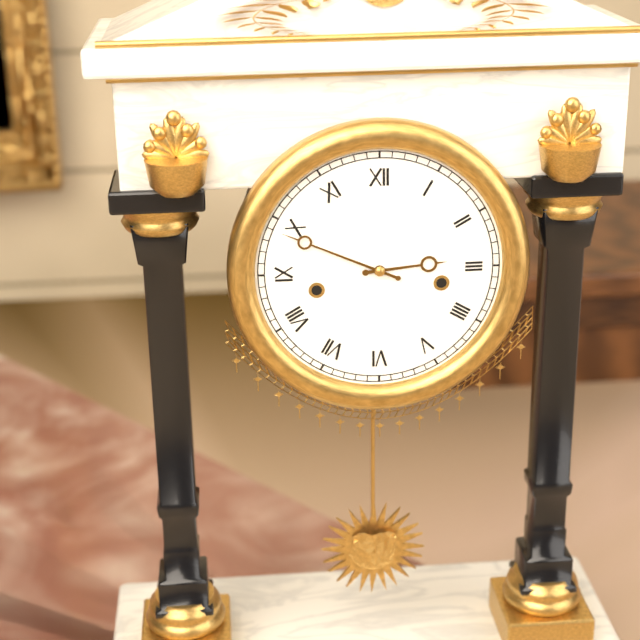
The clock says h=2 m=49
